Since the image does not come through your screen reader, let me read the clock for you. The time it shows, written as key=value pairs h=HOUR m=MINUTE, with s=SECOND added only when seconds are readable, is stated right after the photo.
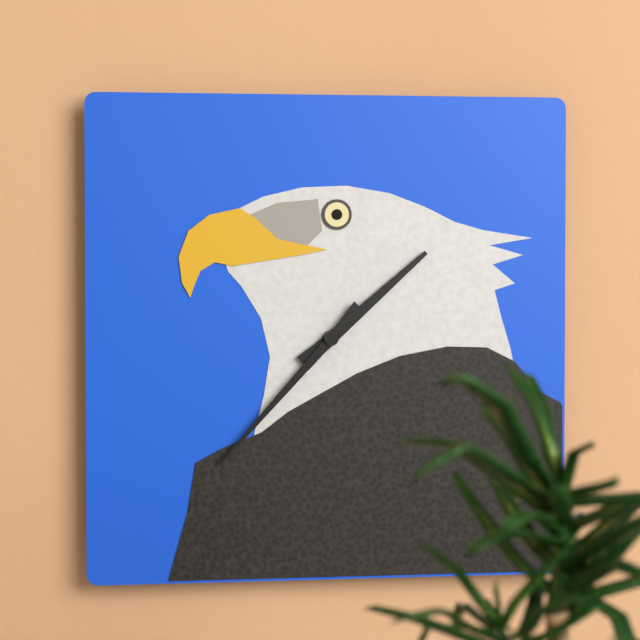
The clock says h=1 m=37
